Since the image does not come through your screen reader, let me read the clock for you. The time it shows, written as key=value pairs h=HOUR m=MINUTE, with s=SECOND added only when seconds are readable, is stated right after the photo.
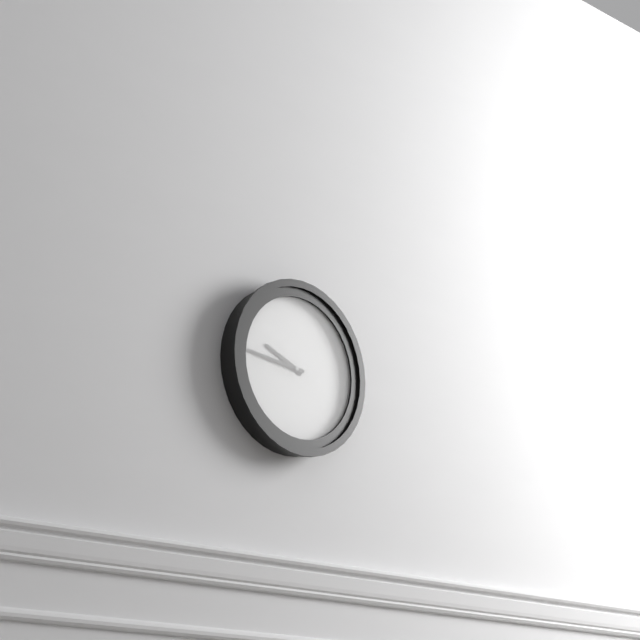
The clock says h=9 m=46
